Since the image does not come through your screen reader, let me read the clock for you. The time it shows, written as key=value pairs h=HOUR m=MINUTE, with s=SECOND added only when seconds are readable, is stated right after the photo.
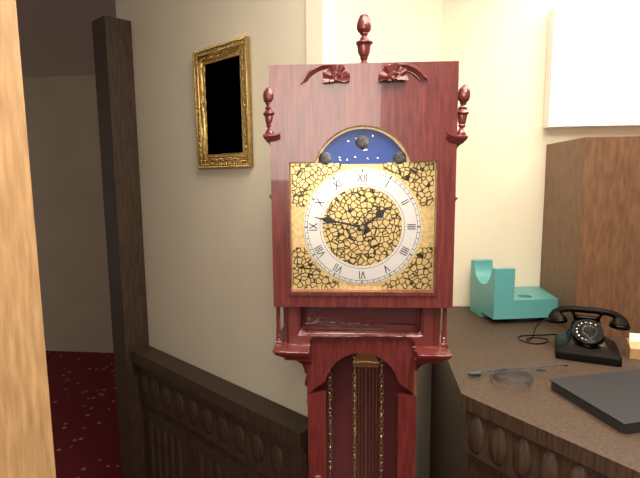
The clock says h=1 m=47
